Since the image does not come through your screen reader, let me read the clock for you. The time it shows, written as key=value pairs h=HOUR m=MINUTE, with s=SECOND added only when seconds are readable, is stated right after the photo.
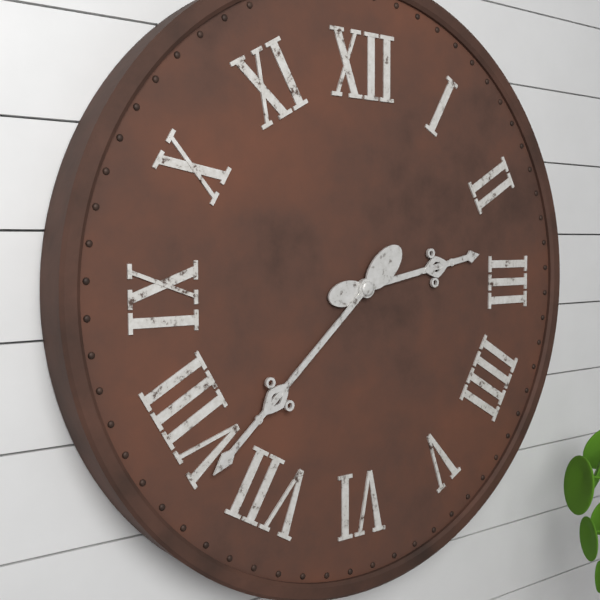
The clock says h=2 m=38
